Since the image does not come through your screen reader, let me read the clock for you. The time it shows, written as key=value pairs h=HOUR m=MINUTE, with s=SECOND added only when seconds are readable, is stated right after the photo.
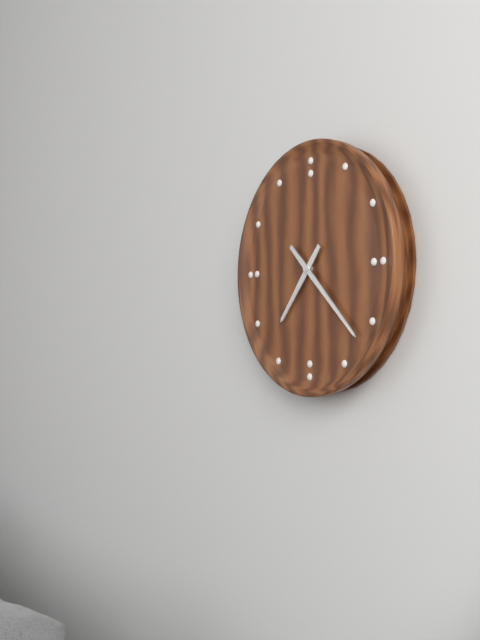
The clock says h=7 m=22
